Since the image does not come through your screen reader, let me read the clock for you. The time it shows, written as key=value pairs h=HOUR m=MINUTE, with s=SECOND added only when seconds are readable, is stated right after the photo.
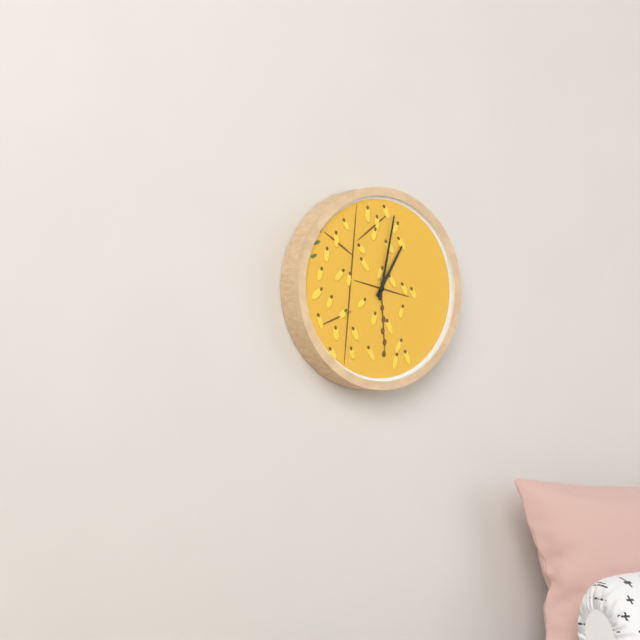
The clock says h=1 m=2
